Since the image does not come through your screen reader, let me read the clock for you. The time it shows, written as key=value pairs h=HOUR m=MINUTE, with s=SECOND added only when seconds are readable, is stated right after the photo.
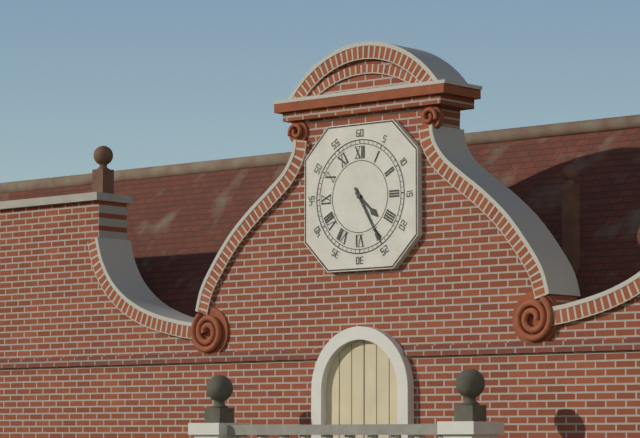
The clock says h=4 m=25
